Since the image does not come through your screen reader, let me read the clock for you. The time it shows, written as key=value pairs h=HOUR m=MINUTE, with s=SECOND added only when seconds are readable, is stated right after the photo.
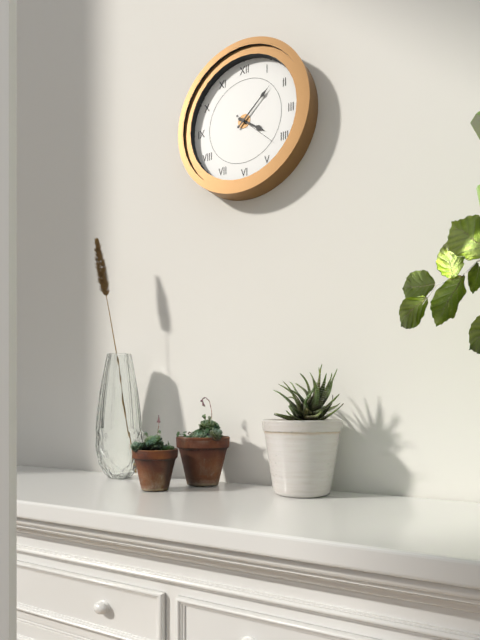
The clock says h=4 m=8
